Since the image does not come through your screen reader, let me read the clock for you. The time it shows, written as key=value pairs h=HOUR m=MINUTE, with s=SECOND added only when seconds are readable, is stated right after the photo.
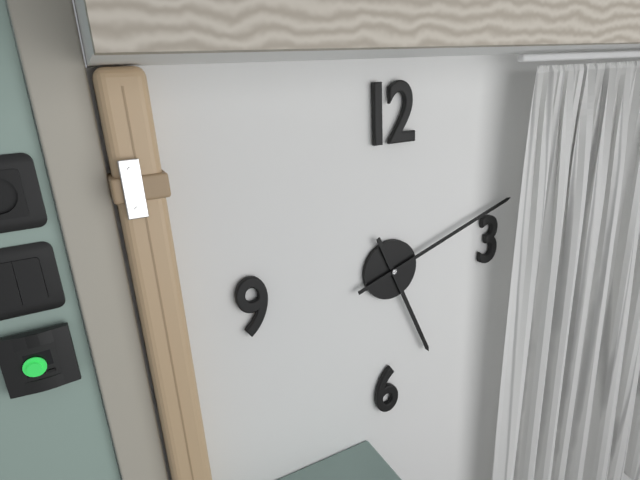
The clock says h=5 m=12
